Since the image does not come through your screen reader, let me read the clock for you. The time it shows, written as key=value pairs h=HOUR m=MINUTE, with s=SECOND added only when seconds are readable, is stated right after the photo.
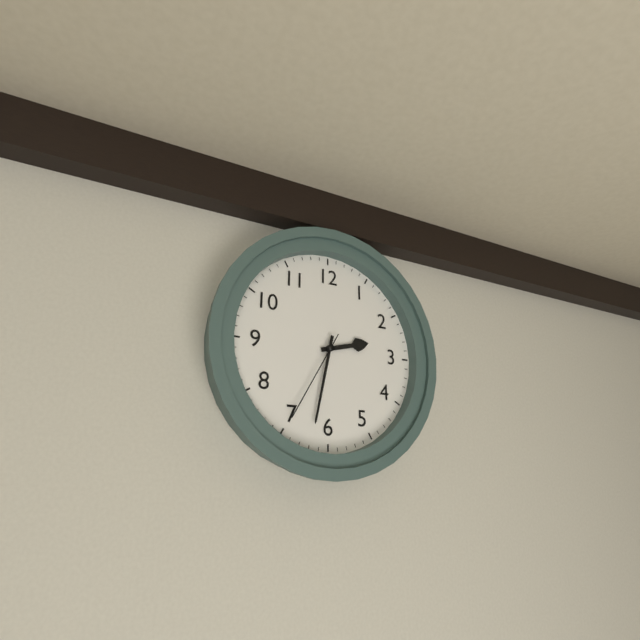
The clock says h=2 m=32 s=35
